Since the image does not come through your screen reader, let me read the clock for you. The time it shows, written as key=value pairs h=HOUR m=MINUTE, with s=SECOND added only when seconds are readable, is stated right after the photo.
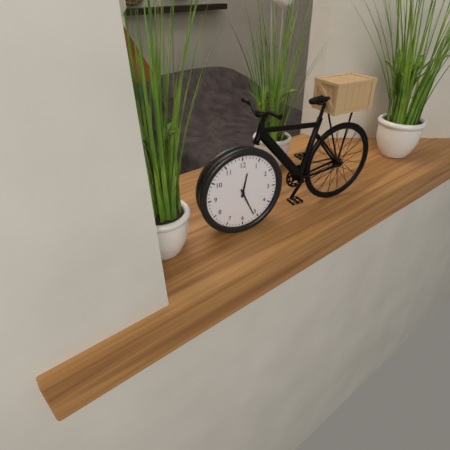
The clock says h=12 m=26
